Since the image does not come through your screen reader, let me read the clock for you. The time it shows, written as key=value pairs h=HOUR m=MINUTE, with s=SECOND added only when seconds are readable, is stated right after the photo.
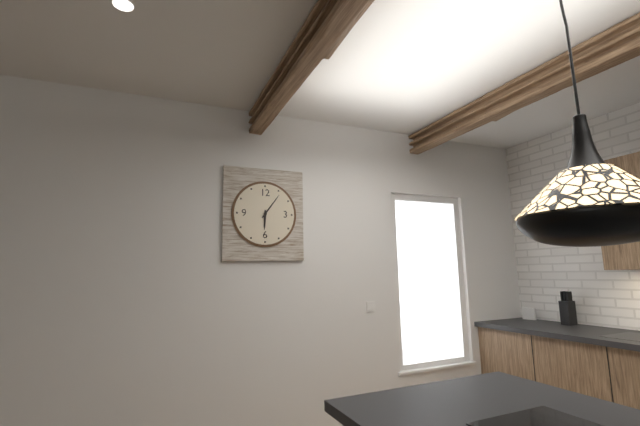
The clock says h=6 m=6
